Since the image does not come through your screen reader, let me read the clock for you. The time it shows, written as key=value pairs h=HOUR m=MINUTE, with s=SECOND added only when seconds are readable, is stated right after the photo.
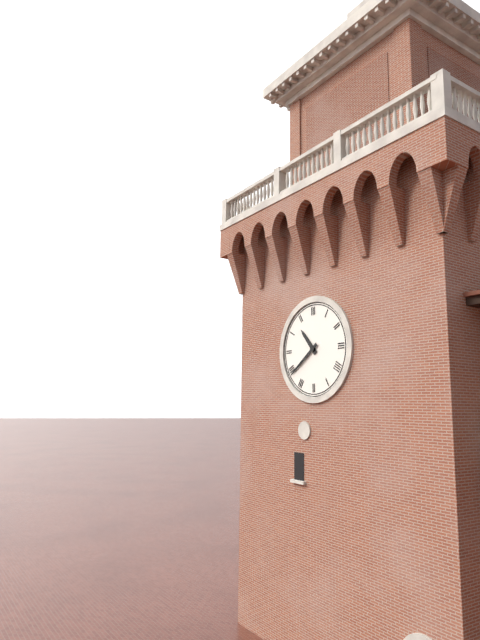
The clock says h=10 m=39
